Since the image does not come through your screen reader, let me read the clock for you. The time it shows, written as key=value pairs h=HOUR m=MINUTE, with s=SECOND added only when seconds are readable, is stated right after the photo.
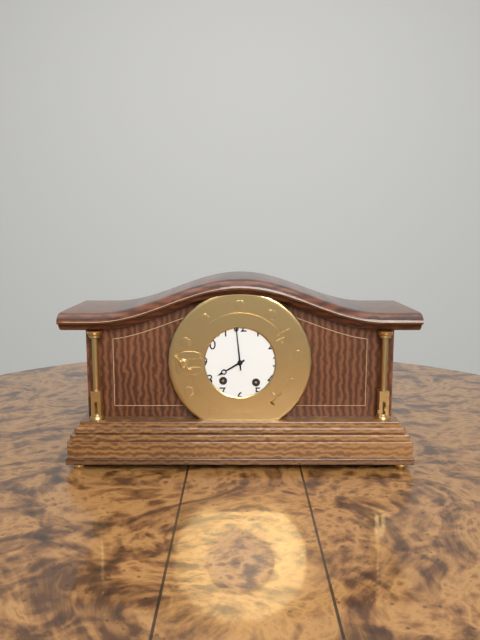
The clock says h=7 m=59
